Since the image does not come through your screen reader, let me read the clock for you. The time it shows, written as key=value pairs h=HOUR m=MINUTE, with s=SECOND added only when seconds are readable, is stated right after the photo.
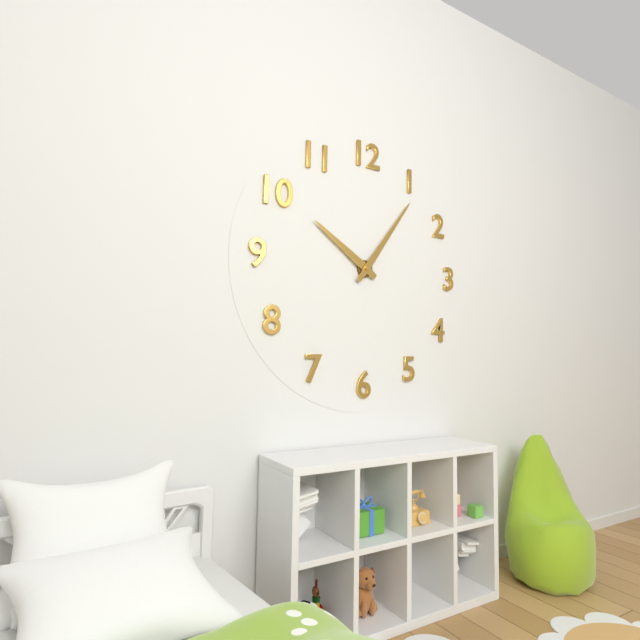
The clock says h=10 m=6
